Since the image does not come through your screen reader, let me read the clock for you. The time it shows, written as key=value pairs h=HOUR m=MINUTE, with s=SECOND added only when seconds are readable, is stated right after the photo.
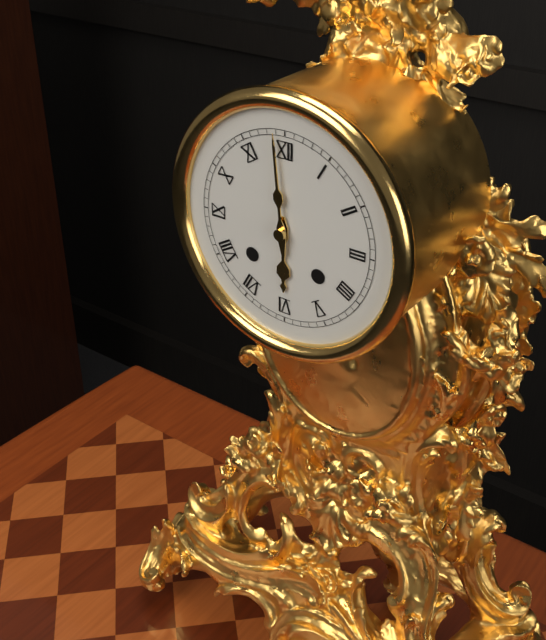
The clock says h=5 m=59
